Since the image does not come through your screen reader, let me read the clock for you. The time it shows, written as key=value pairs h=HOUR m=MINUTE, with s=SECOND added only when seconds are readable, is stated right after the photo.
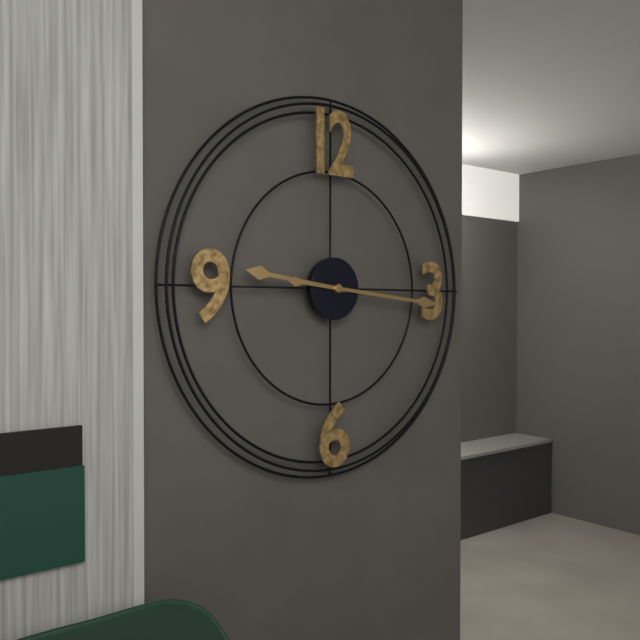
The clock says h=9 m=16
